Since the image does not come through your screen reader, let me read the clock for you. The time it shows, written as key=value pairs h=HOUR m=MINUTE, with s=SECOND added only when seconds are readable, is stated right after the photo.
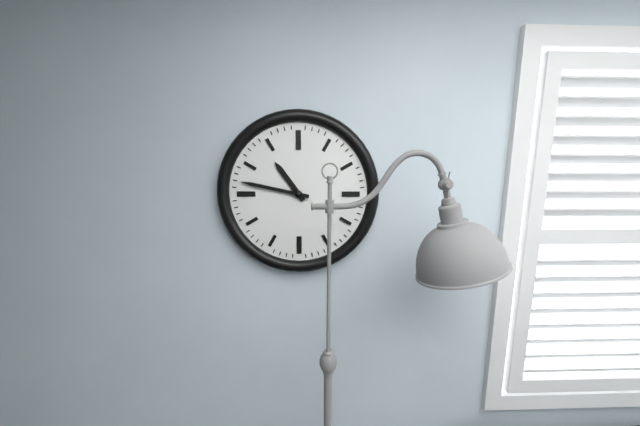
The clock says h=10 m=47
